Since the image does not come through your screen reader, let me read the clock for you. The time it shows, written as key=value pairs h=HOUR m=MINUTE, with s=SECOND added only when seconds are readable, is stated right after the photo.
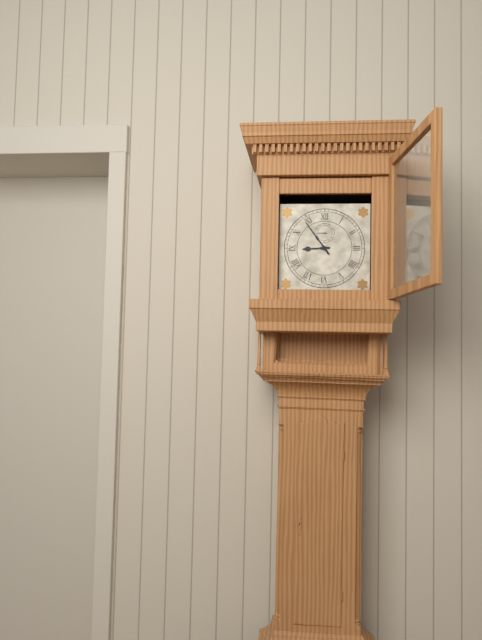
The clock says h=8 m=54
